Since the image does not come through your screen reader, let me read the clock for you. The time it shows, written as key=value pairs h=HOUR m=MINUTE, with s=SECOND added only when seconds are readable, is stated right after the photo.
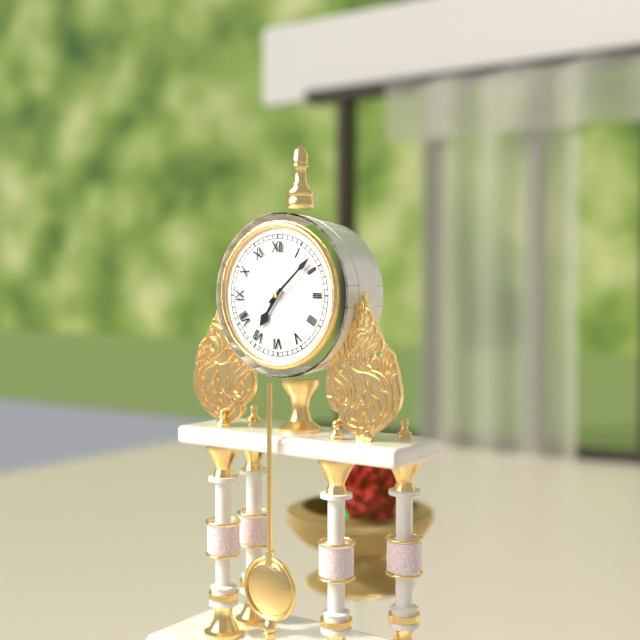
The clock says h=7 m=8
